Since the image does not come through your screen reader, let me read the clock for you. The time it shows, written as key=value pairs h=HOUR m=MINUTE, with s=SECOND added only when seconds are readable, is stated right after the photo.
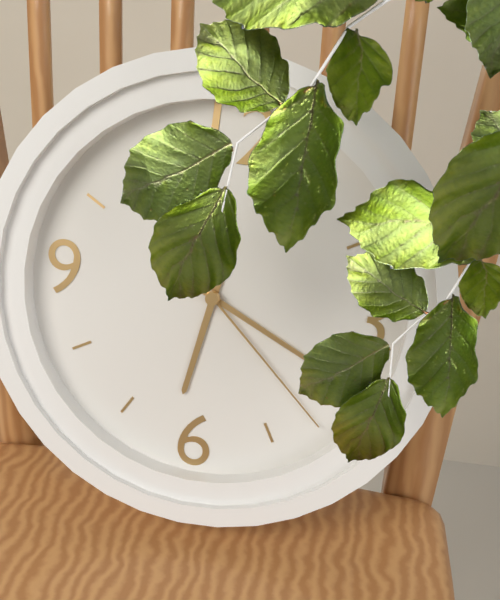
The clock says h=6 m=19 s=22
